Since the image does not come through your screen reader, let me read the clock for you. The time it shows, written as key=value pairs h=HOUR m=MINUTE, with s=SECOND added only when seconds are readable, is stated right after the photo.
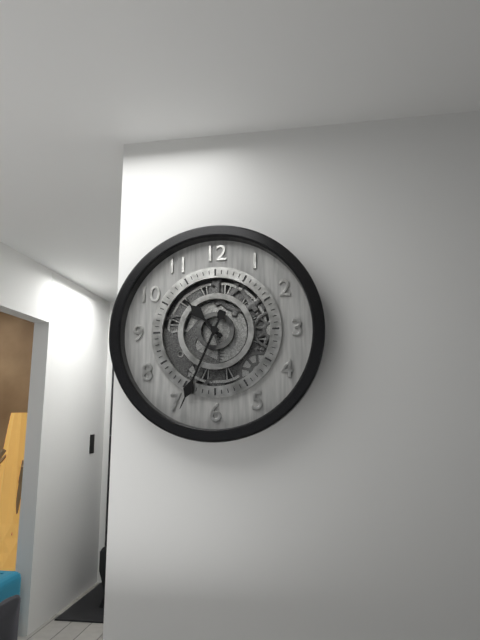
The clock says h=10 m=34
